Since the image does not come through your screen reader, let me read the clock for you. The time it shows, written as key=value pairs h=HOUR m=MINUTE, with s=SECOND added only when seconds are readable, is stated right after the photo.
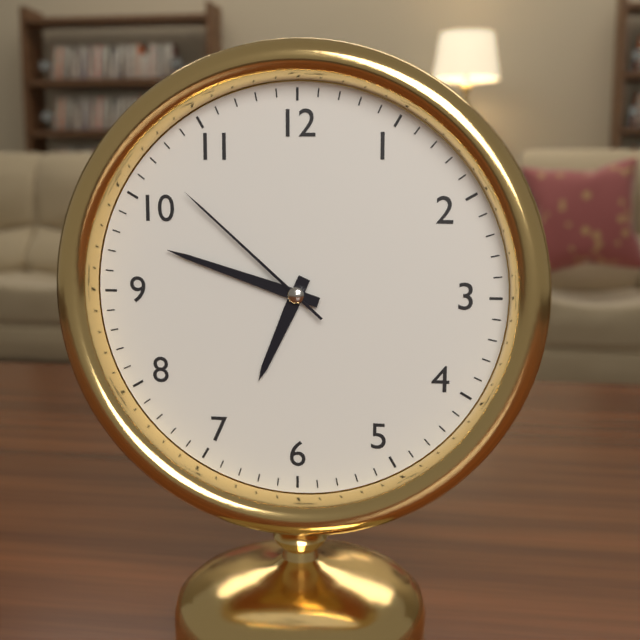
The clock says h=6 m=48 s=52
